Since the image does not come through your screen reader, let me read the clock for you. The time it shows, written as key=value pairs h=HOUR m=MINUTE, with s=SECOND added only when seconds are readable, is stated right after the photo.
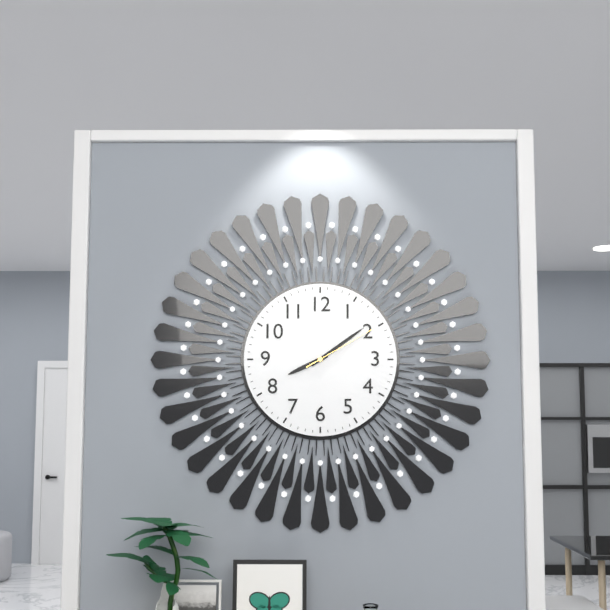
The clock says h=8 m=9 s=10
